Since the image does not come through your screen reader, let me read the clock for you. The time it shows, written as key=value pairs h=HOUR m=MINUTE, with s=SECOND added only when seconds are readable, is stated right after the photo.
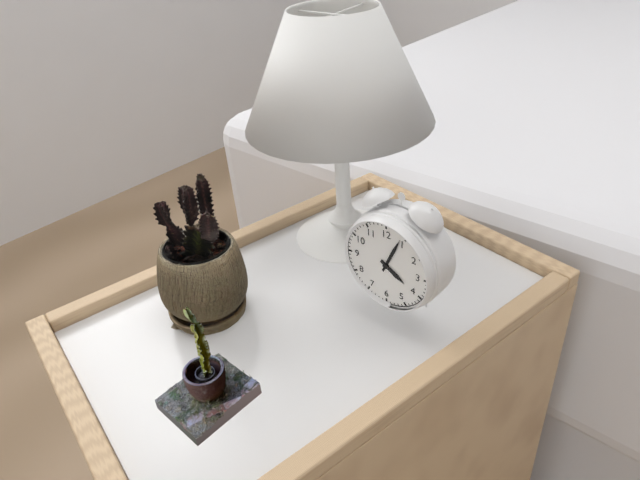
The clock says h=4 m=4
